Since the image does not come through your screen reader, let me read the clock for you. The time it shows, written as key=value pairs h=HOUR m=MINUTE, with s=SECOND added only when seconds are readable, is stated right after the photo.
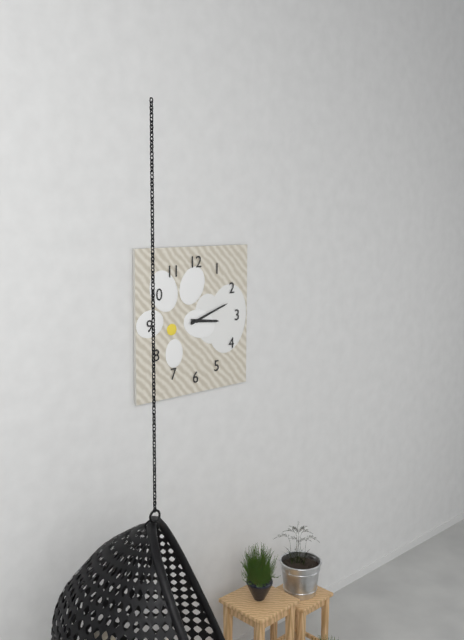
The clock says h=3 m=12
